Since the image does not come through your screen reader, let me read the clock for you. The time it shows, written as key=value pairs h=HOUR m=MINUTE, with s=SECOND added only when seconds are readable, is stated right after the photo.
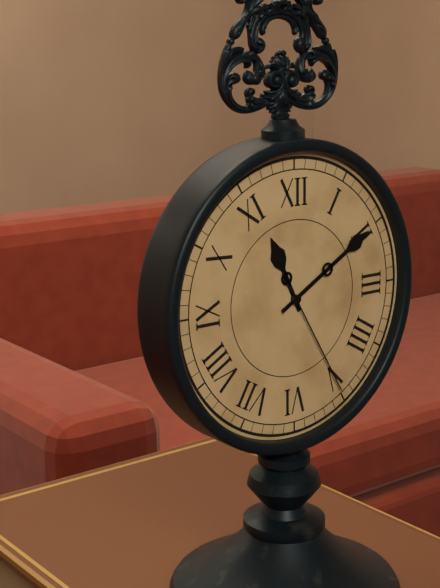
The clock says h=11 m=10 s=25
